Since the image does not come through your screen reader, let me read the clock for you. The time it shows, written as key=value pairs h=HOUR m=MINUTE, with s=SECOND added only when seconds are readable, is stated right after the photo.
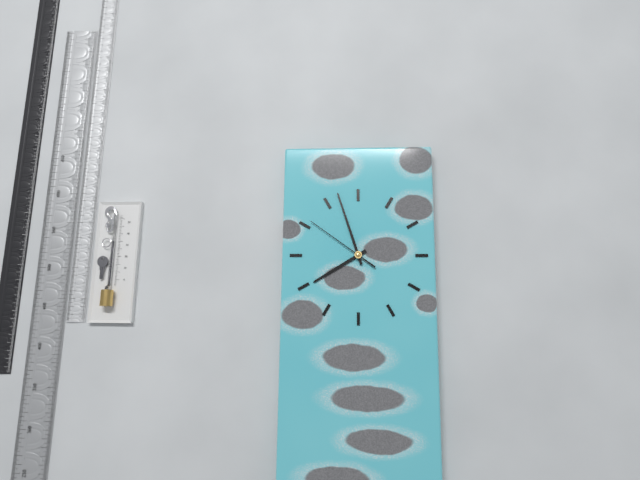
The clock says h=7 m=57 s=51
